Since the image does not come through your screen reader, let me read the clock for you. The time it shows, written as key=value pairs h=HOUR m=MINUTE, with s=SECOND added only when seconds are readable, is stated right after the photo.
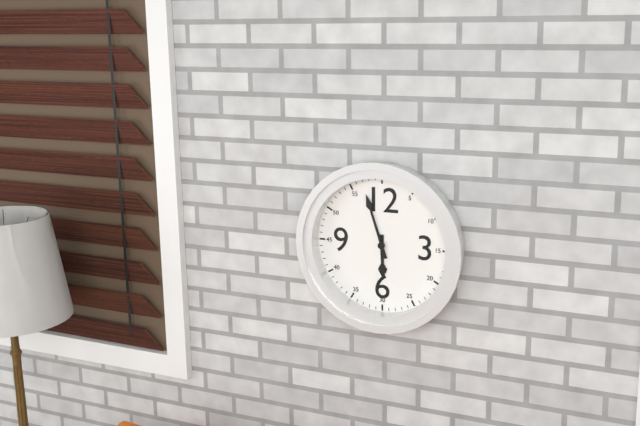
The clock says h=5 m=57
